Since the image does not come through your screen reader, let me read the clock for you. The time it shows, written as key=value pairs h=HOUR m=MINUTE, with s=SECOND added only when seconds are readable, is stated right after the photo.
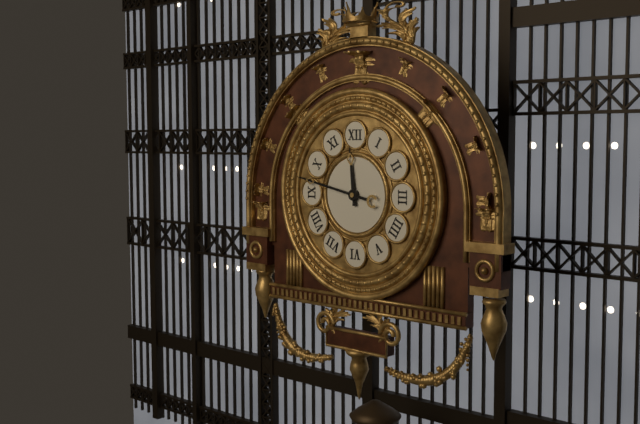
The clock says h=11 m=47
